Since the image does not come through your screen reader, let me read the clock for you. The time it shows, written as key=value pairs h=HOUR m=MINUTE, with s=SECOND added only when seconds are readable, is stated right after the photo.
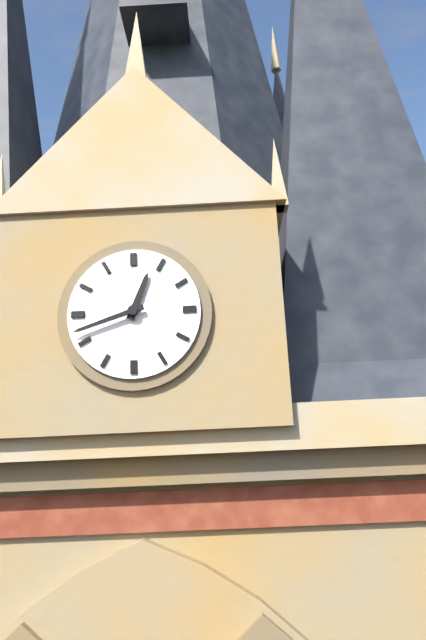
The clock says h=12 m=42
